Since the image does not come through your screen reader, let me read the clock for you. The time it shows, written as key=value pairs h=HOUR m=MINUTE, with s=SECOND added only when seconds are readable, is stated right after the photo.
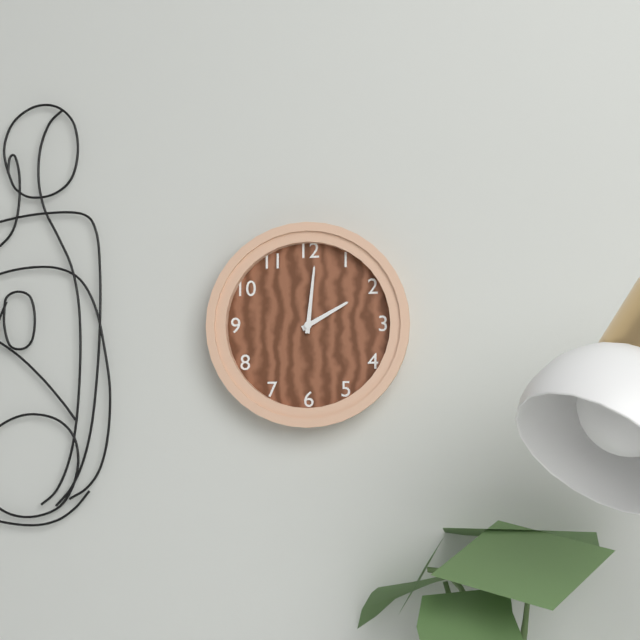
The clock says h=2 m=1
